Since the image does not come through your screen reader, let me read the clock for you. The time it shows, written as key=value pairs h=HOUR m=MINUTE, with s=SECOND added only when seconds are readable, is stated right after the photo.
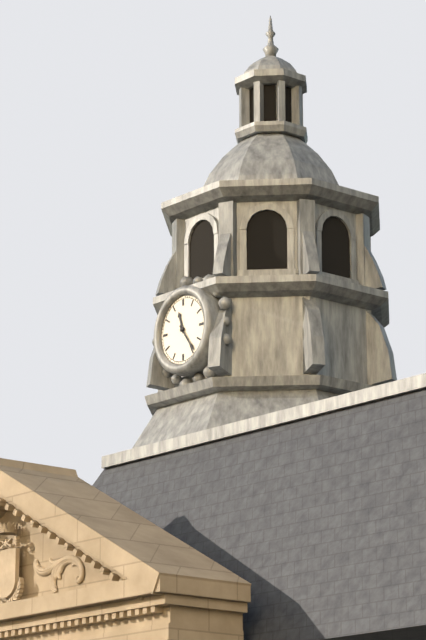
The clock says h=11 m=24
